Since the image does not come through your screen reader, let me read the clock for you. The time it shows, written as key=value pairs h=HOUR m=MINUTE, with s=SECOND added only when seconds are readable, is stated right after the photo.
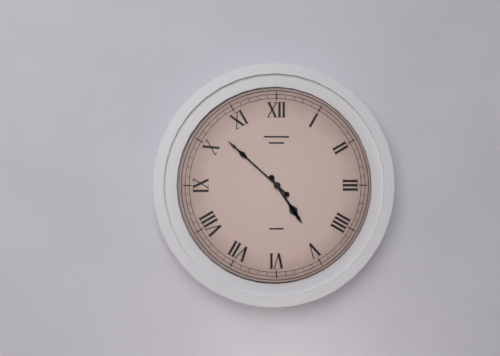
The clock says h=4 m=52
